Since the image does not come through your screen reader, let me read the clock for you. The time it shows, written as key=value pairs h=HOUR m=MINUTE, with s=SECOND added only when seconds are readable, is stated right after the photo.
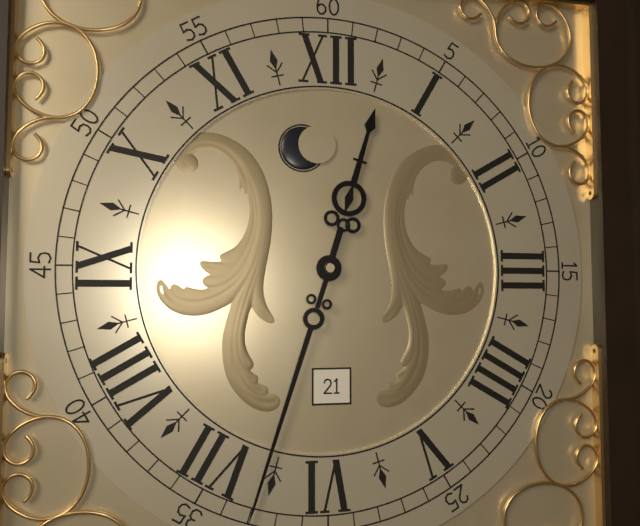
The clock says h=12 m=33
